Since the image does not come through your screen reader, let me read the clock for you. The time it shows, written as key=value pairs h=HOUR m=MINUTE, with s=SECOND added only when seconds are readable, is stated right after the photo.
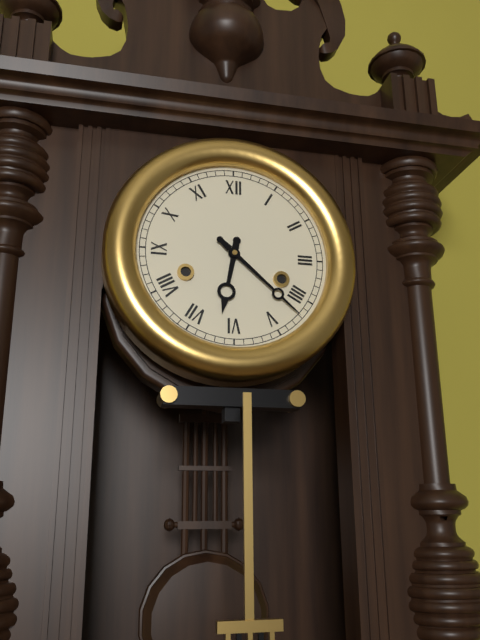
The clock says h=6 m=22
